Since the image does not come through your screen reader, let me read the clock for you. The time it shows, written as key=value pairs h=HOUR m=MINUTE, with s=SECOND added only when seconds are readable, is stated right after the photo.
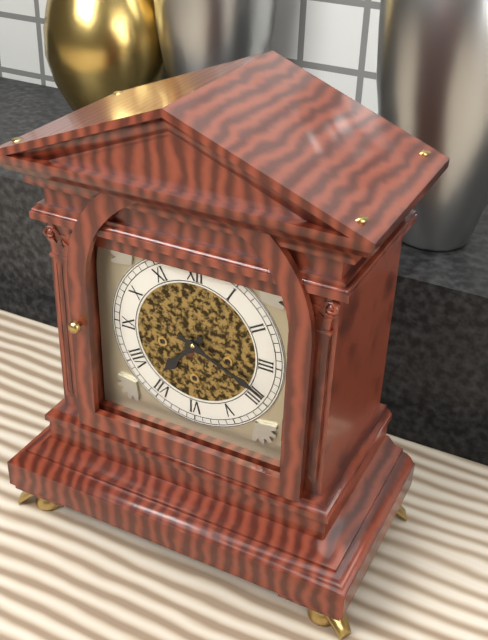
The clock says h=7 m=19
